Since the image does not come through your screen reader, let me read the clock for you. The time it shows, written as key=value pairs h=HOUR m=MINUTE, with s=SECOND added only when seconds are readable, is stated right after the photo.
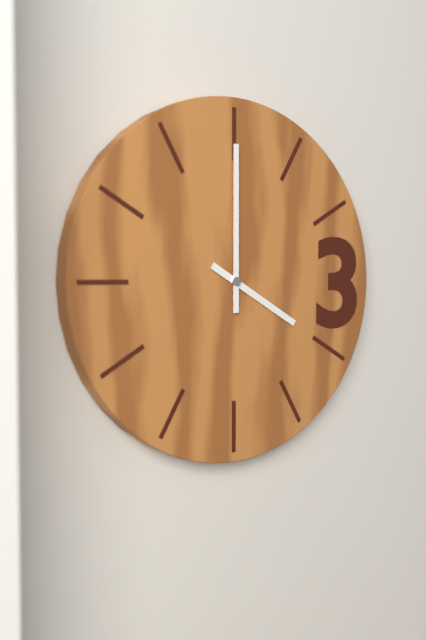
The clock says h=4 m=0
